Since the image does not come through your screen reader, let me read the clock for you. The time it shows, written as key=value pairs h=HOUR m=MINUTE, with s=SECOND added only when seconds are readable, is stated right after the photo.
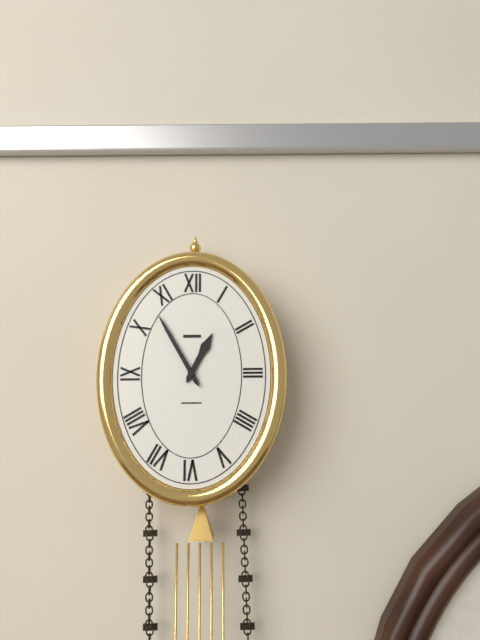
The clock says h=12 m=55
